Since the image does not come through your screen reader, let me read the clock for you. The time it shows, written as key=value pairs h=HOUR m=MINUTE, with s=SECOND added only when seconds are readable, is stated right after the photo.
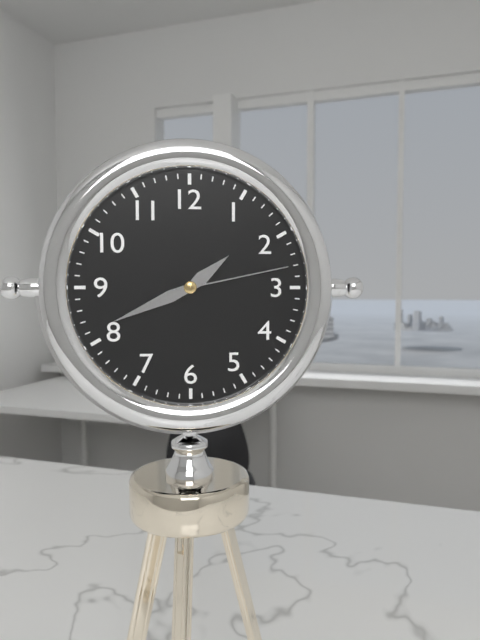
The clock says h=1 m=41 s=13
